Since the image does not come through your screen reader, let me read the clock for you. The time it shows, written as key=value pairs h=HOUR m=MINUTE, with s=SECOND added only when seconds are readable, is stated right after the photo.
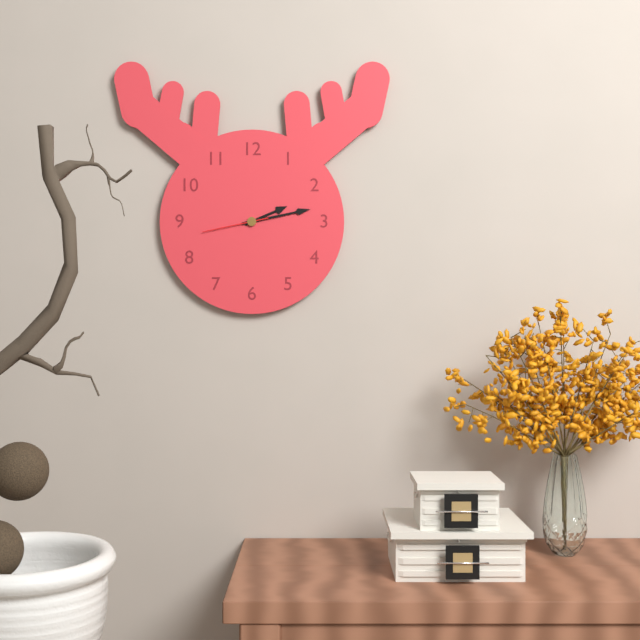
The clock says h=2 m=13 s=43
